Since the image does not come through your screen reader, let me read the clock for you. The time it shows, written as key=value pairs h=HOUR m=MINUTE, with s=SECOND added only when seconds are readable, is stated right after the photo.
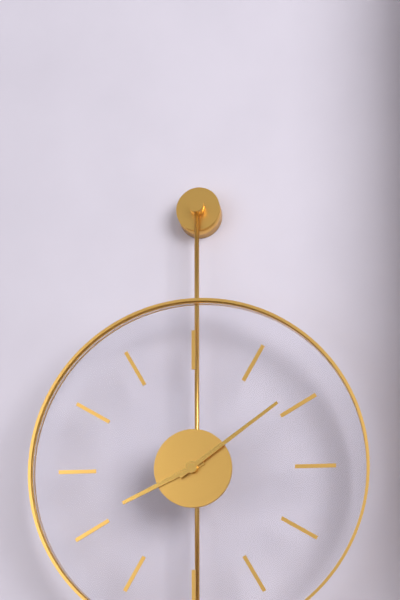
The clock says h=8 m=9
